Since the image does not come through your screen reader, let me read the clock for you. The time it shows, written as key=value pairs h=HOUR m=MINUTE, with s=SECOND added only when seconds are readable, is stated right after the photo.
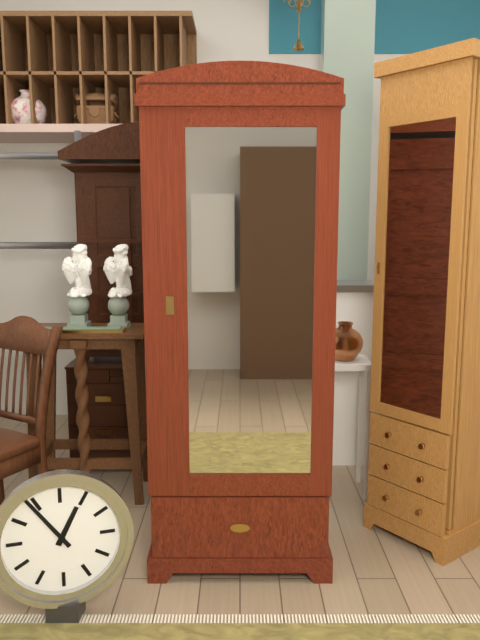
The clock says h=12 m=54
